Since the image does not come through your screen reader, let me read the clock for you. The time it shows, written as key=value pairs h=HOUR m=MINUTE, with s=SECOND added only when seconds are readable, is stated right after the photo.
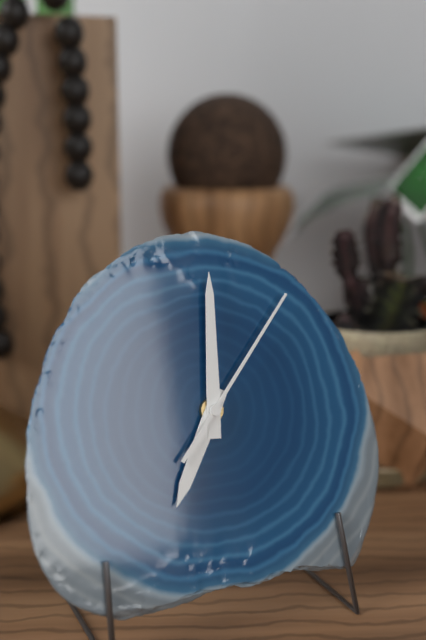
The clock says h=7 m=1 s=7
